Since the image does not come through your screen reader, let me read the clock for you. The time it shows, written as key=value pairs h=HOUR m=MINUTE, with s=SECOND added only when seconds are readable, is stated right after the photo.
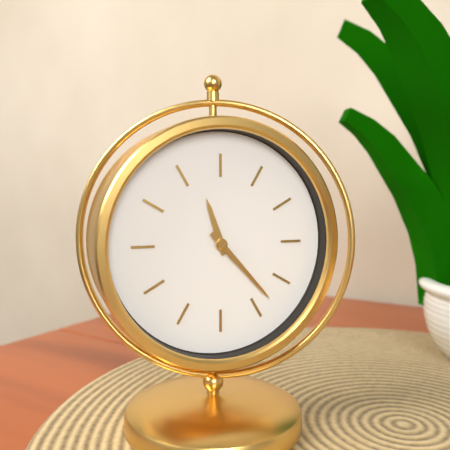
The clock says h=11 m=23
